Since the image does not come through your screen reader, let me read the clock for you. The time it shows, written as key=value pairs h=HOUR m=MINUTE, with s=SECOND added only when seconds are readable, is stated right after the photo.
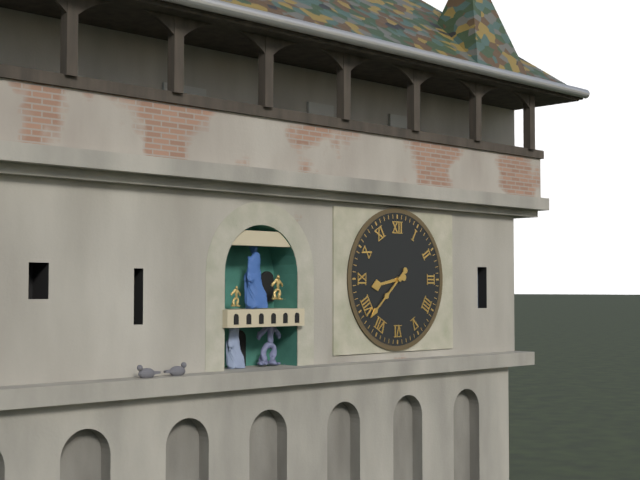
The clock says h=8 m=38
